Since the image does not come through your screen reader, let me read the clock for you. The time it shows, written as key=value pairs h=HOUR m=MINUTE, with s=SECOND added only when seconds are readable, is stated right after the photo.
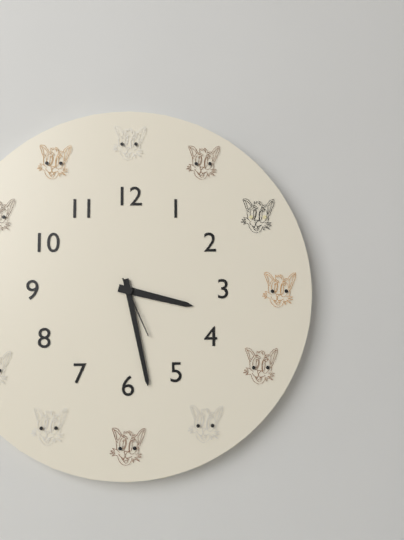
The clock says h=3 m=28 s=26
